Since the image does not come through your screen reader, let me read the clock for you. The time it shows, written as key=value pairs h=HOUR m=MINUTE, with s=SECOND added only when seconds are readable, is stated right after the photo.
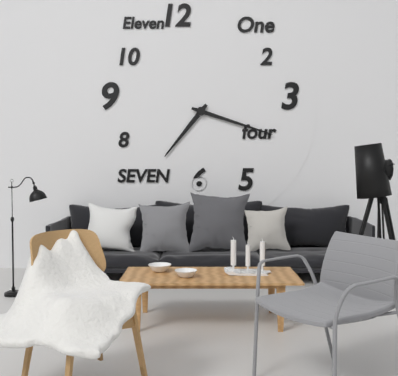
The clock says h=7 m=18
